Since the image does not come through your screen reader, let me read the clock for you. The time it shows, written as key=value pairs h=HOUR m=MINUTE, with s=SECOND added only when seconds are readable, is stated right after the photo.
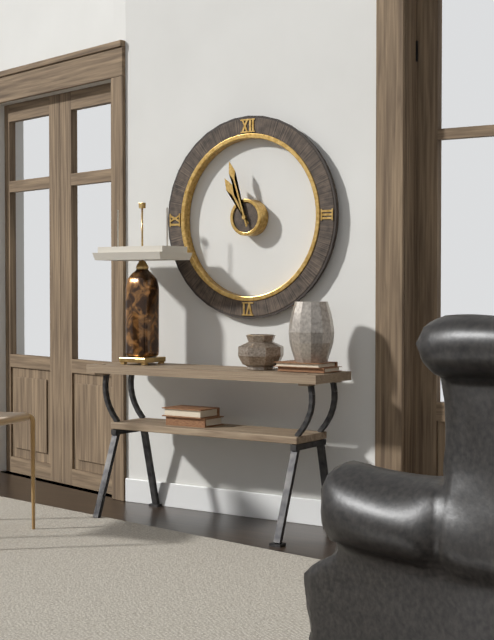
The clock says h=10 m=57
